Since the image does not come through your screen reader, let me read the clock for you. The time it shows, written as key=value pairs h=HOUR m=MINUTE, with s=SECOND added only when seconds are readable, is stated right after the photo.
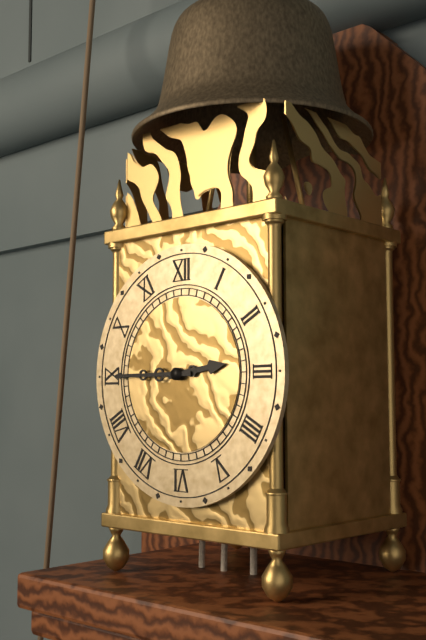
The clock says h=2 m=45
